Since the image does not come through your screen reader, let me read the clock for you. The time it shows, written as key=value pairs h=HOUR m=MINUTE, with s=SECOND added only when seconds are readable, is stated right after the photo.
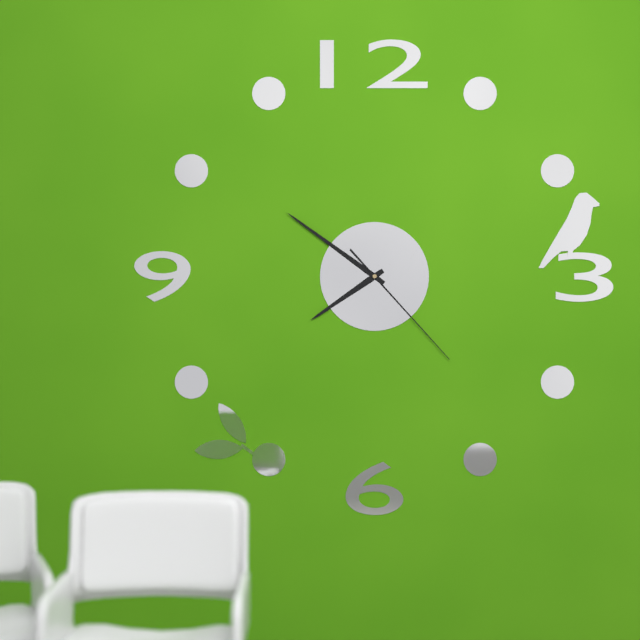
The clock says h=7 m=51 s=23
